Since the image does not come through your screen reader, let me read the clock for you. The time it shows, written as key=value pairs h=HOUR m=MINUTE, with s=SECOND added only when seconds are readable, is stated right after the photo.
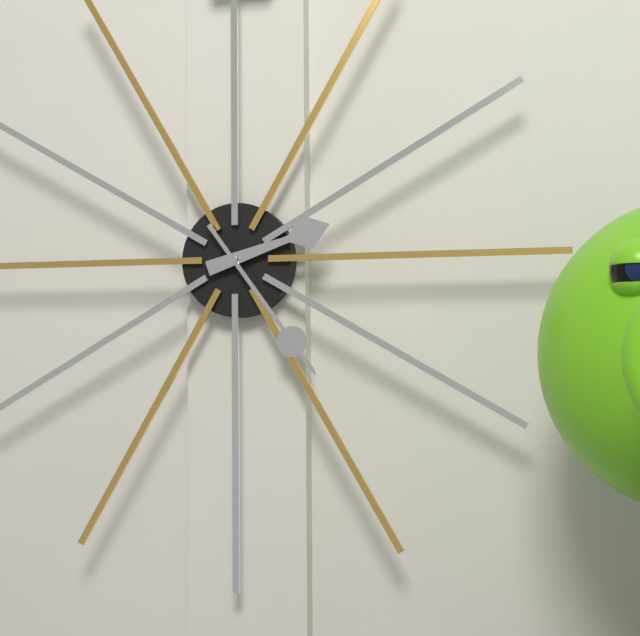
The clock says h=2 m=24
